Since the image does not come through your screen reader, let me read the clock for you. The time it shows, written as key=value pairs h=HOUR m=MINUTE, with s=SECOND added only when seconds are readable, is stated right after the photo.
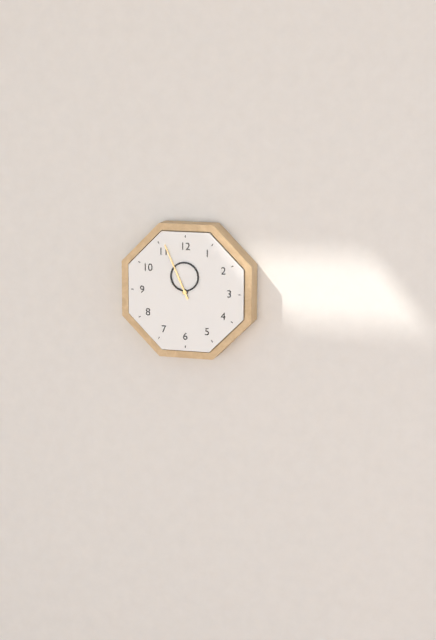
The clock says h=11 m=56
